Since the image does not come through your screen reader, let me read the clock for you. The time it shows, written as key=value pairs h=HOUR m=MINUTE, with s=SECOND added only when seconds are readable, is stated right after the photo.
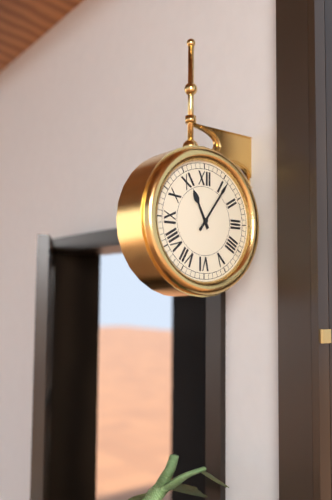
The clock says h=11 m=6
